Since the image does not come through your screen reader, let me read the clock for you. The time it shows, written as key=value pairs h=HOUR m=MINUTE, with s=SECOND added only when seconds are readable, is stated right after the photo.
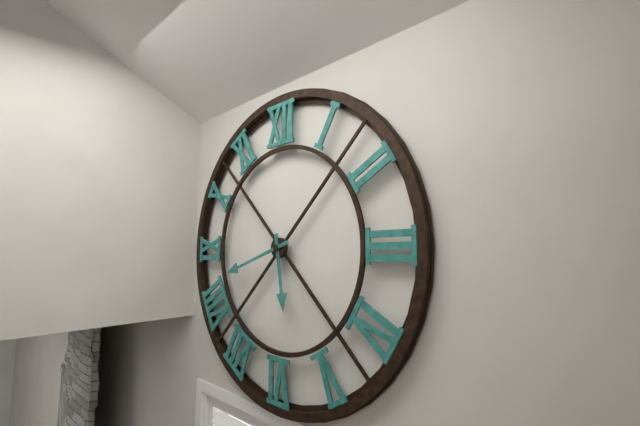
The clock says h=5 m=42
